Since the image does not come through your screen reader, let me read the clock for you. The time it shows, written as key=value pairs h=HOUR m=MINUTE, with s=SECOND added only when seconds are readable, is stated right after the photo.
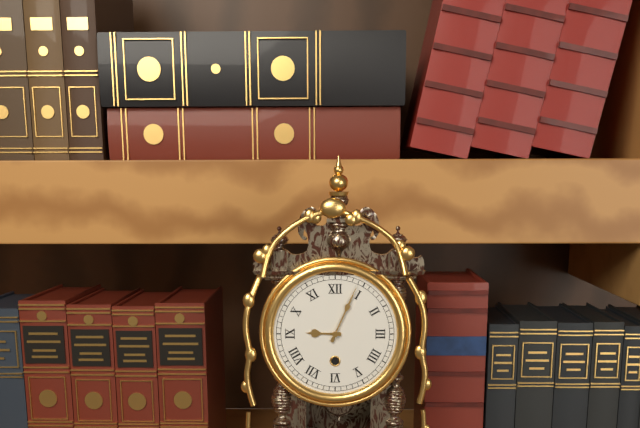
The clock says h=9 m=4
